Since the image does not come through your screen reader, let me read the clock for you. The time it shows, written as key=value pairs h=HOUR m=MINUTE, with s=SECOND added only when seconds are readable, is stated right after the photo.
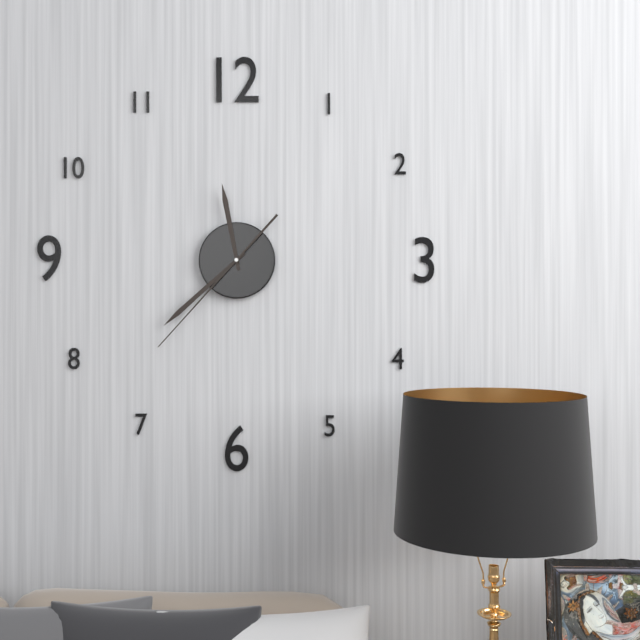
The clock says h=11 m=38 s=37
